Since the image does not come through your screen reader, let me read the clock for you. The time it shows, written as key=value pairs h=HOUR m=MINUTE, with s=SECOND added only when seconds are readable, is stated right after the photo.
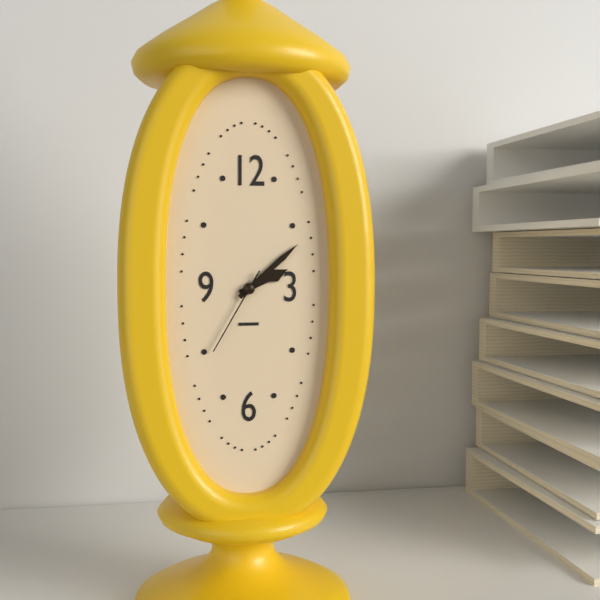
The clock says h=2 m=8 s=35
